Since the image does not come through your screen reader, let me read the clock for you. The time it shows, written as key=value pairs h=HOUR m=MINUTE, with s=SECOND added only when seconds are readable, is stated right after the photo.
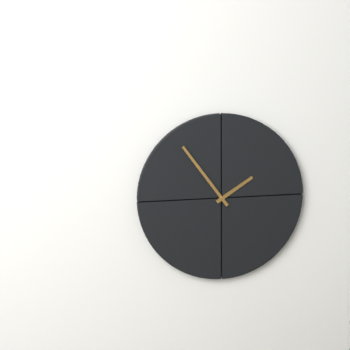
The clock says h=1 m=54
